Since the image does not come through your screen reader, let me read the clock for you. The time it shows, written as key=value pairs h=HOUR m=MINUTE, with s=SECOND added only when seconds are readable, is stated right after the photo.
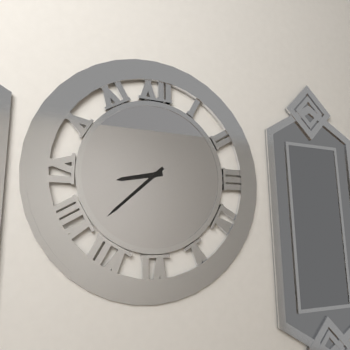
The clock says h=8 m=38
